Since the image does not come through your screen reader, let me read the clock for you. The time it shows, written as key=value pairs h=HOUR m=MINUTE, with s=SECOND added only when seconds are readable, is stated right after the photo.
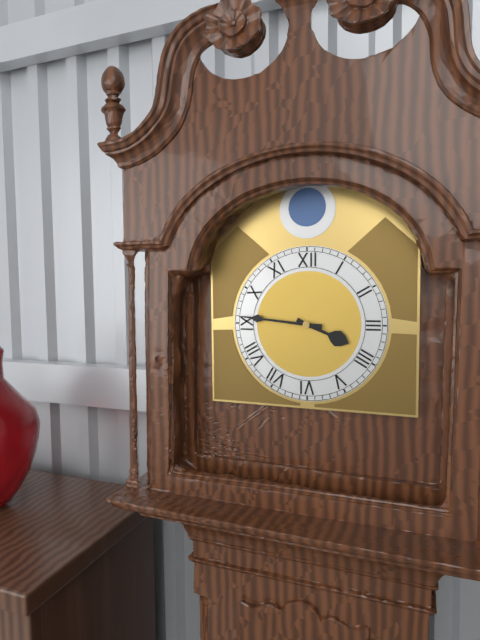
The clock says h=3 m=46
